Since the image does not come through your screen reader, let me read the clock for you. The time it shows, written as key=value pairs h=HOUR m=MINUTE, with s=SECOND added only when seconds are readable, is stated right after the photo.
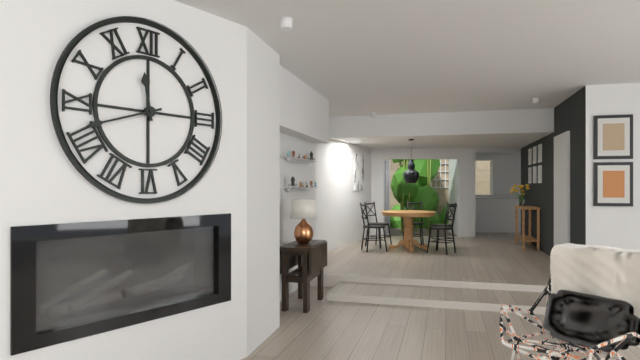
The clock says h=11 m=42
